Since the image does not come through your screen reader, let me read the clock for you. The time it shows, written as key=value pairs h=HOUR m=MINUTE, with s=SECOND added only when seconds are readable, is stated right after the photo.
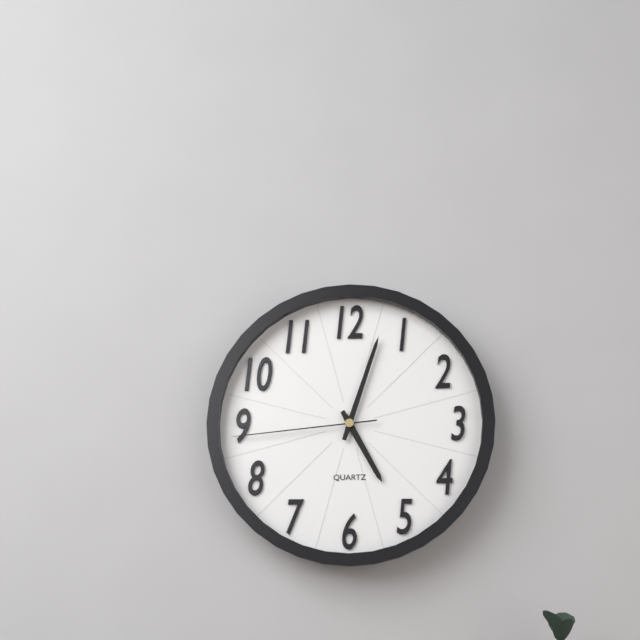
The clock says h=5 m=3 s=44
